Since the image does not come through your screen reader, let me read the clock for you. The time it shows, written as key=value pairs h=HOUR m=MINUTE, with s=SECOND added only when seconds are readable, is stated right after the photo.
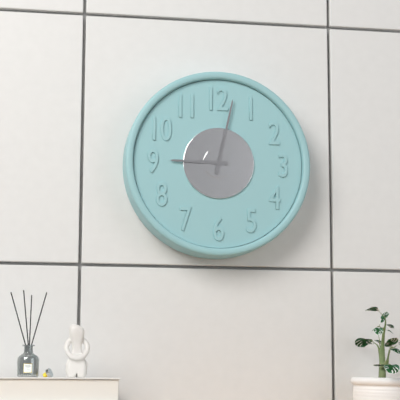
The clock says h=9 m=2
